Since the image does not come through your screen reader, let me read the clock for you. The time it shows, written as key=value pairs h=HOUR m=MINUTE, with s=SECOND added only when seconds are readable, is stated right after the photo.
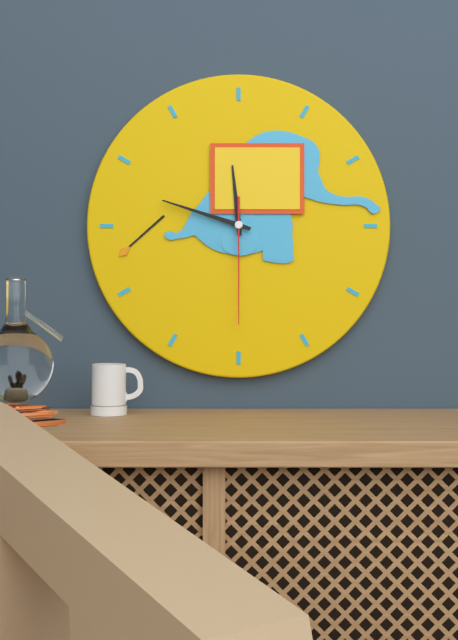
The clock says h=11 m=48 s=30
